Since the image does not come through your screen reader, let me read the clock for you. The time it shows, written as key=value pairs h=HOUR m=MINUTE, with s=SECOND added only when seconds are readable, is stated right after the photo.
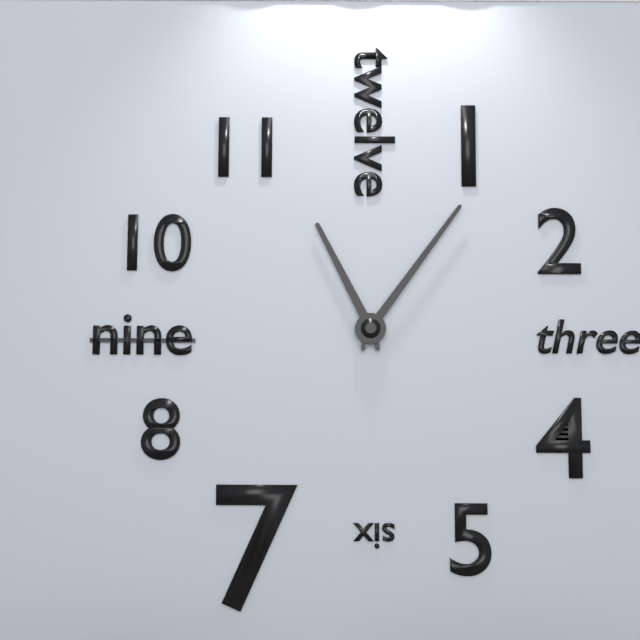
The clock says h=11 m=6
